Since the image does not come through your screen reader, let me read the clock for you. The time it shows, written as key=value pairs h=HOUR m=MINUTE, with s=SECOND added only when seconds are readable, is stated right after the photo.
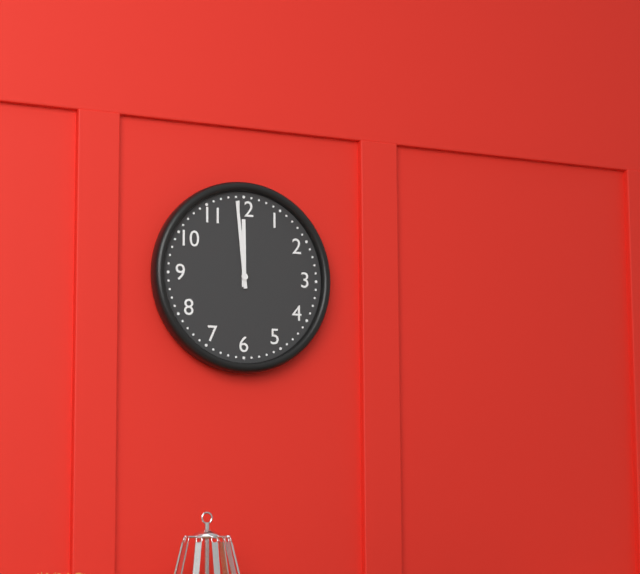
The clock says h=11 m=59
